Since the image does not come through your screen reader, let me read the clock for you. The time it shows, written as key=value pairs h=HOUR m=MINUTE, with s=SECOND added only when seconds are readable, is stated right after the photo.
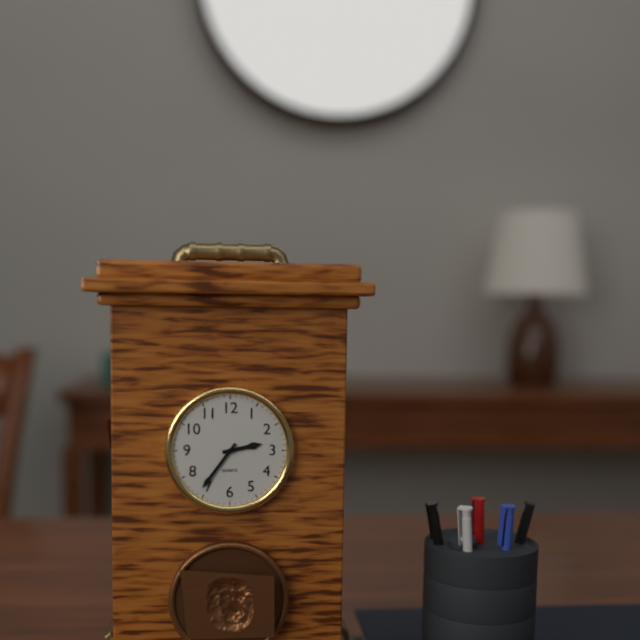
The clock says h=2 m=36
